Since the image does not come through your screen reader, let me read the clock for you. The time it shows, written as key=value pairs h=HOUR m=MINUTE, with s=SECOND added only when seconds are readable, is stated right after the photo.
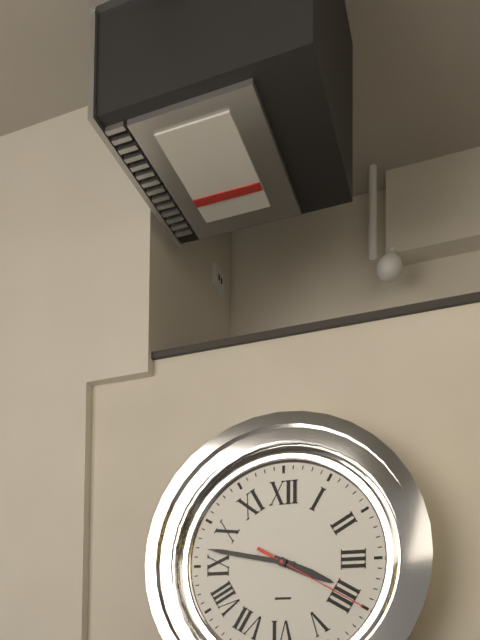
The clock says h=3 m=47 s=20
